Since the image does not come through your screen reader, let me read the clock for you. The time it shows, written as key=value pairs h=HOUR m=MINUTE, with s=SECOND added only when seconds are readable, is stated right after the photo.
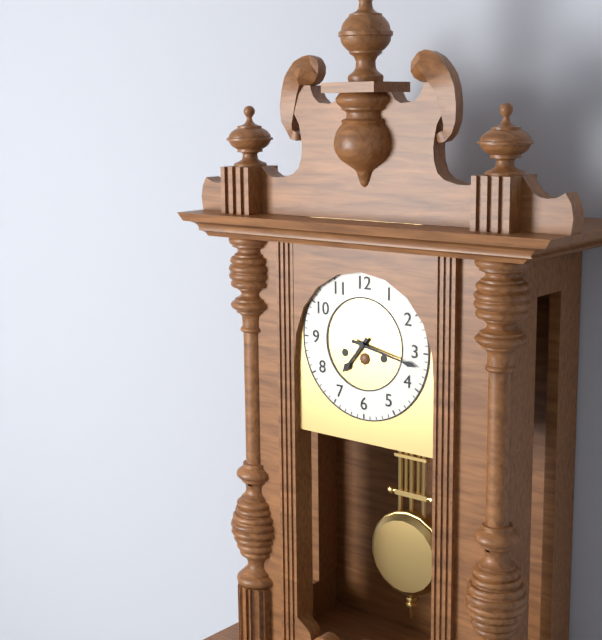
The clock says h=7 m=17
